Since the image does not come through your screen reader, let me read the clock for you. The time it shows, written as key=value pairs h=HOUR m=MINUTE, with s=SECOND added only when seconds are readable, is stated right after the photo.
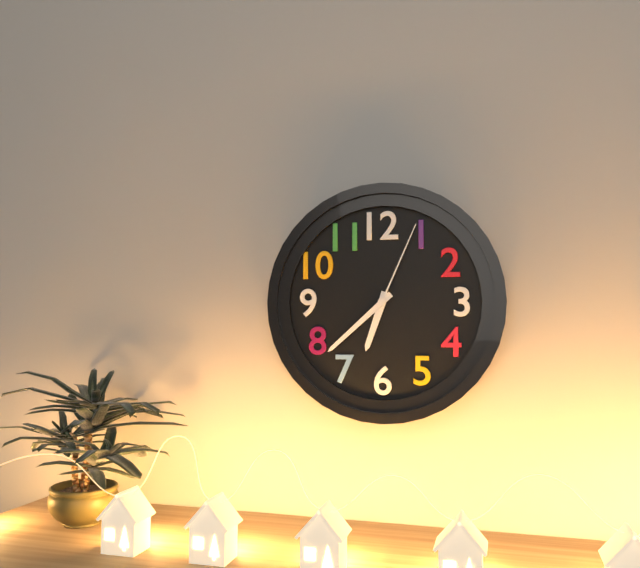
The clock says h=6 m=38 s=4
